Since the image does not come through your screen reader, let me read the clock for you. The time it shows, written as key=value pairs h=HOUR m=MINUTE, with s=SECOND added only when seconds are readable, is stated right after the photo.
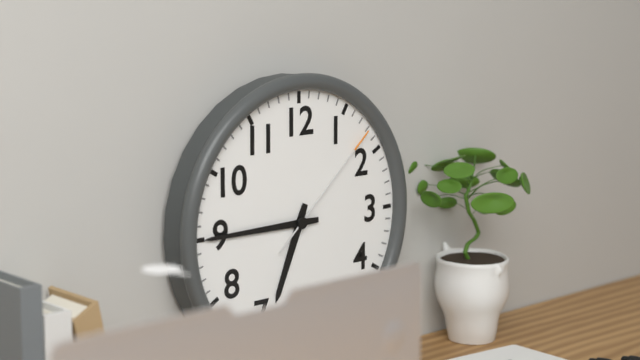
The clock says h=6 m=45 s=8
